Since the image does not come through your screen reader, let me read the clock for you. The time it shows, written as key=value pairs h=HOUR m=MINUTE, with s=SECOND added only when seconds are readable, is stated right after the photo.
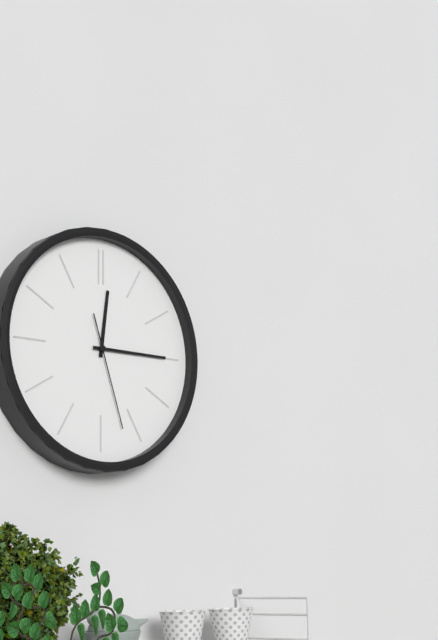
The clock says h=12 m=15 s=27
